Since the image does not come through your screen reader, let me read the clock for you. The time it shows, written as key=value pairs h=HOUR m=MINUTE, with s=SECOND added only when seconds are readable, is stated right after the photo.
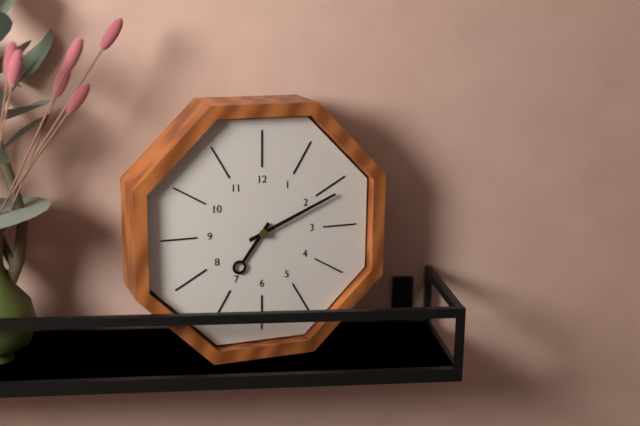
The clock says h=7 m=11
